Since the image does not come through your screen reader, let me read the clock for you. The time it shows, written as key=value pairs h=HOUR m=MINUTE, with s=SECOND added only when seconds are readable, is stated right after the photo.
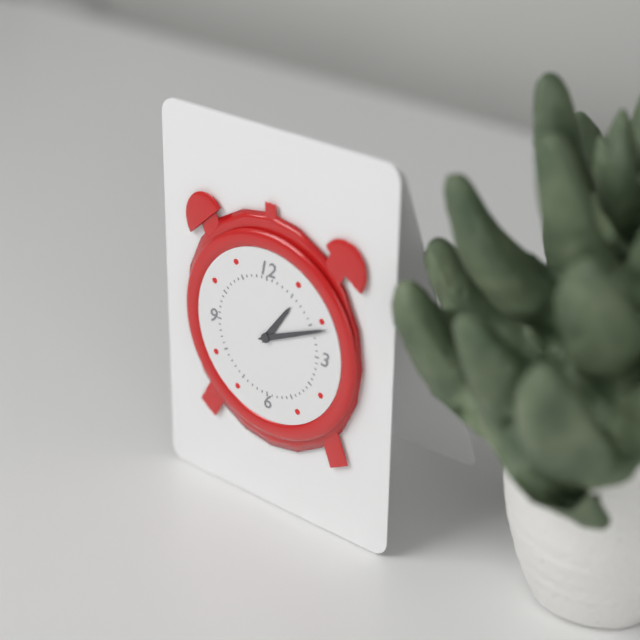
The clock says h=1 m=11
